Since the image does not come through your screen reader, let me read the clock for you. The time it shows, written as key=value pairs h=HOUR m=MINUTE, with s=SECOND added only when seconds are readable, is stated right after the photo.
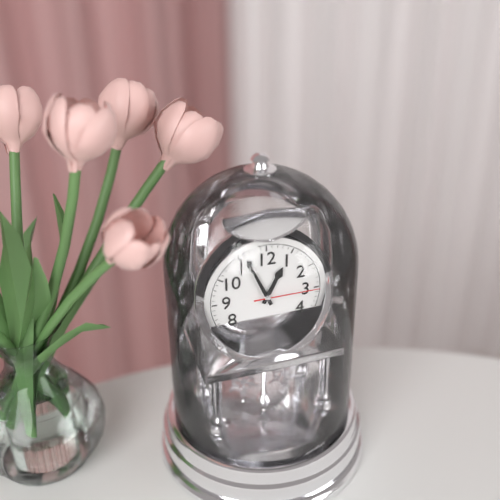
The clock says h=12 m=56 s=15
